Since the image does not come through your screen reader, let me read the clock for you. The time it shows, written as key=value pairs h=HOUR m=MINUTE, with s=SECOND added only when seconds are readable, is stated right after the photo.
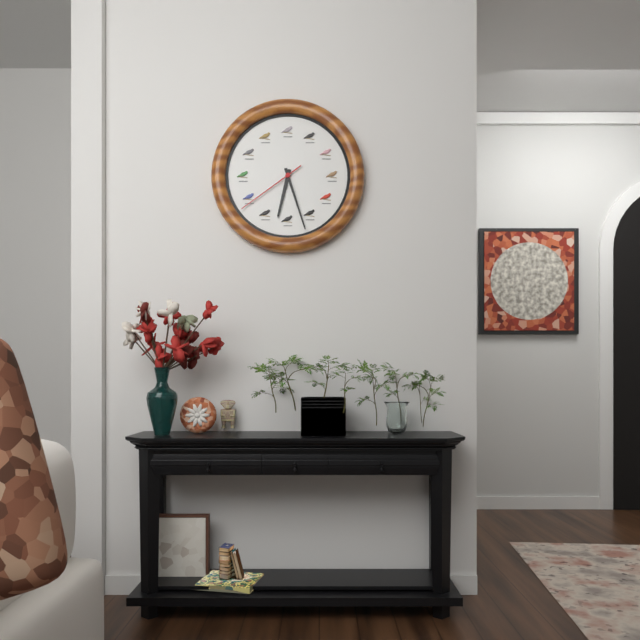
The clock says h=6 m=27 s=39
